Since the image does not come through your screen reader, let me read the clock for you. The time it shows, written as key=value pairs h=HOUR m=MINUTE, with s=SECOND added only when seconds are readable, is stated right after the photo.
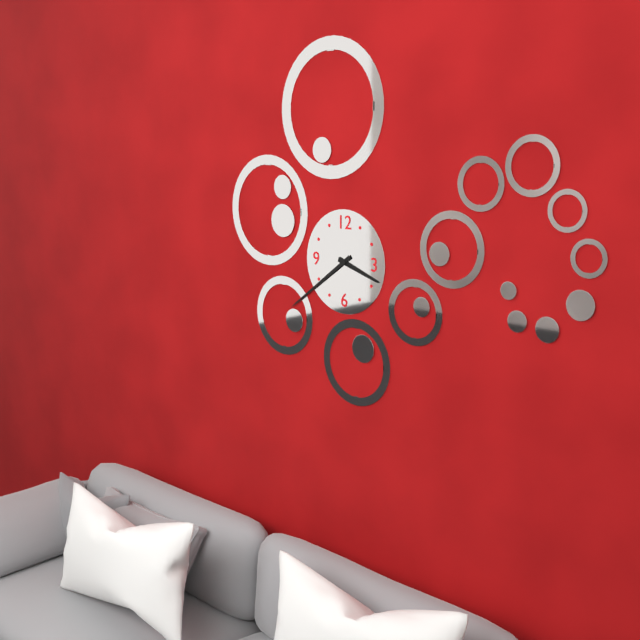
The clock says h=3 m=39
